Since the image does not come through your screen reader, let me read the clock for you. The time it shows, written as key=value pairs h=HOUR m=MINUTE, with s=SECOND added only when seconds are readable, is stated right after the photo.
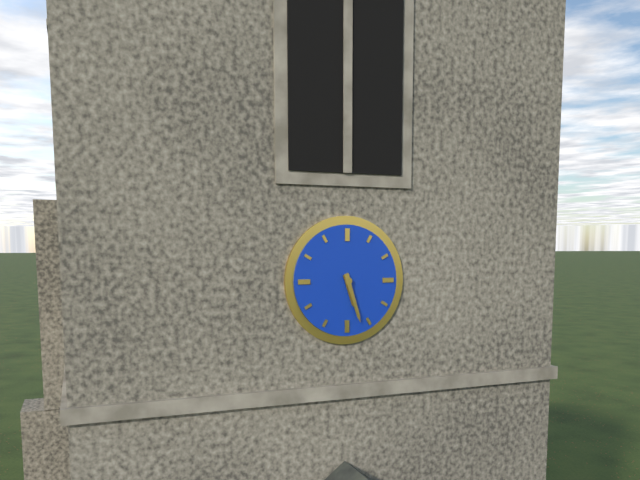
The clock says h=5 m=27
